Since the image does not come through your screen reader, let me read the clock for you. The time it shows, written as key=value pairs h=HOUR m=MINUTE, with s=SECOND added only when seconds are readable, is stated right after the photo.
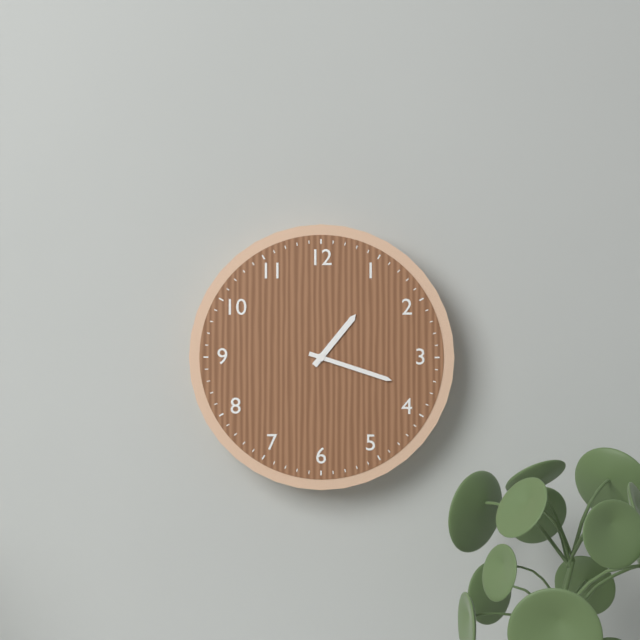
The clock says h=1 m=18
